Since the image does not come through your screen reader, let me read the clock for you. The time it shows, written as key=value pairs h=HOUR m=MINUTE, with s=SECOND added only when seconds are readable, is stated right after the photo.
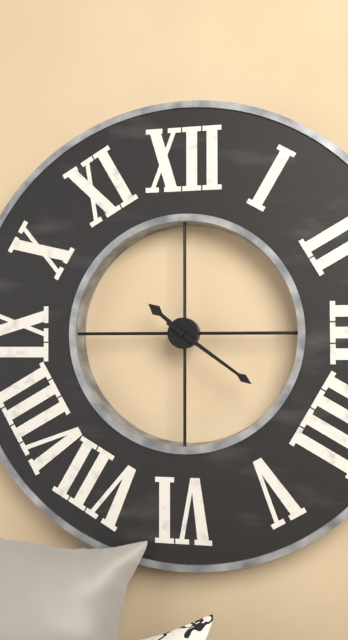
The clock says h=10 m=21
